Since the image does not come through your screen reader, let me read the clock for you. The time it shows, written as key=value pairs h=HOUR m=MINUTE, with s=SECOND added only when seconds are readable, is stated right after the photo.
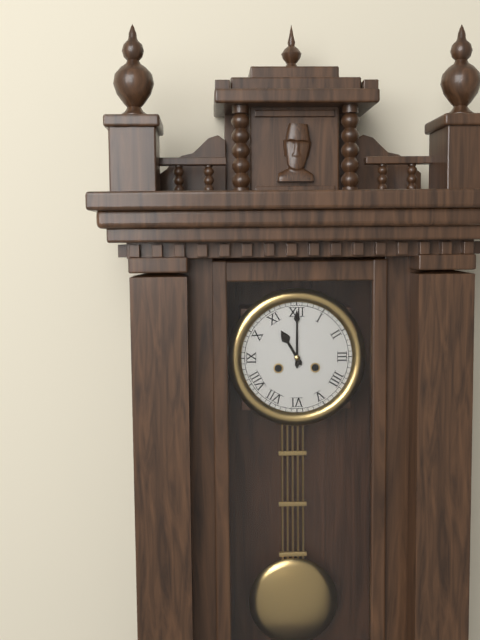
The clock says h=11 m=0
